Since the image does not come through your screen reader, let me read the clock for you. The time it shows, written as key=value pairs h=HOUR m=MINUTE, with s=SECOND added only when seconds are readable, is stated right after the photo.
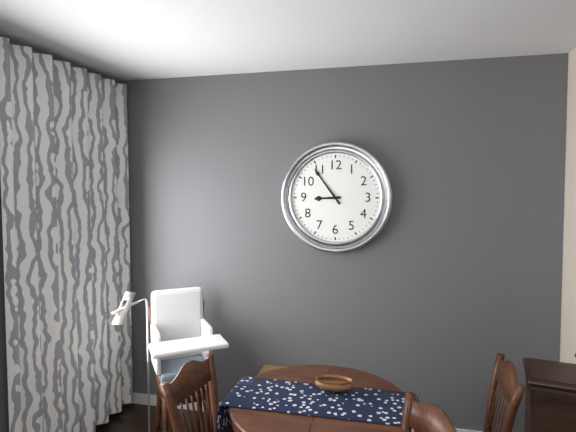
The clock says h=8 m=54
